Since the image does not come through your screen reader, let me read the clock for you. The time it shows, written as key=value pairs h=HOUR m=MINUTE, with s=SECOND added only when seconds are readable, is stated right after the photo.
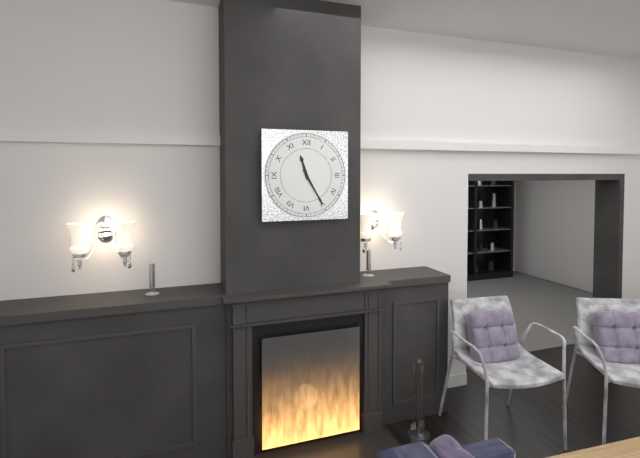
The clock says h=11 m=25
